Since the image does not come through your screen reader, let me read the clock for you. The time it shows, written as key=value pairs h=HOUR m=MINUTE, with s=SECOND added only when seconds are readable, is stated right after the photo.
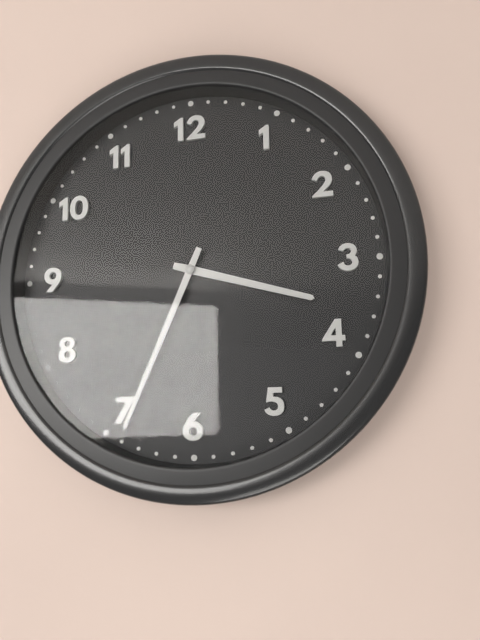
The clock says h=3 m=34
